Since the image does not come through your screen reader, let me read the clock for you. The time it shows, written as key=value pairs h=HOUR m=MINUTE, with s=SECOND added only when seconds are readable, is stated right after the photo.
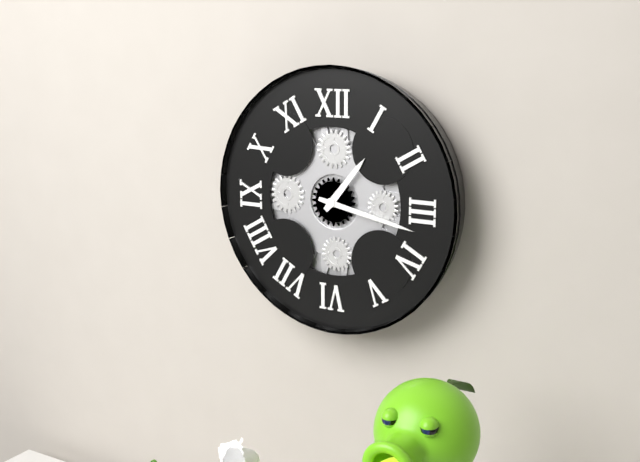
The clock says h=1 m=17
